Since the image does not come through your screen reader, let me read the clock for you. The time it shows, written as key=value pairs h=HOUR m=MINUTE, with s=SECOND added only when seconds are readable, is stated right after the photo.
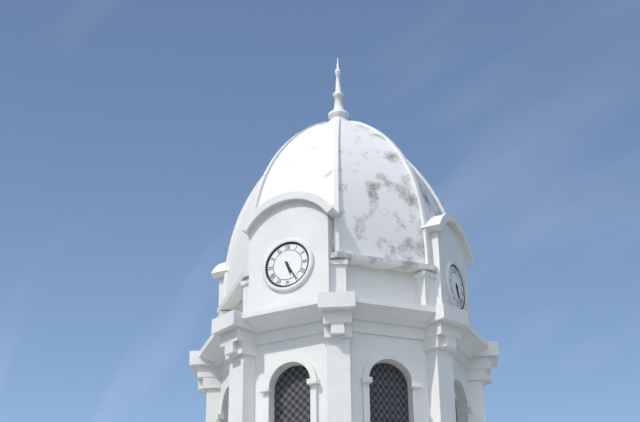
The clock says h=5 m=25
